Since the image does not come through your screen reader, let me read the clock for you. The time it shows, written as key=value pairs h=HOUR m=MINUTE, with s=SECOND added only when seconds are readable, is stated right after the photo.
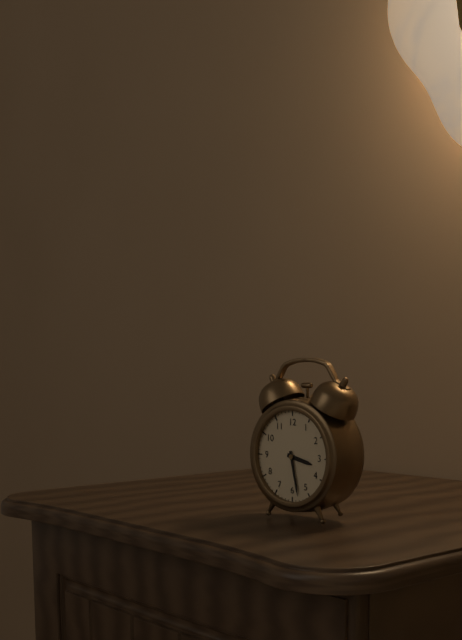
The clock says h=3 m=28
